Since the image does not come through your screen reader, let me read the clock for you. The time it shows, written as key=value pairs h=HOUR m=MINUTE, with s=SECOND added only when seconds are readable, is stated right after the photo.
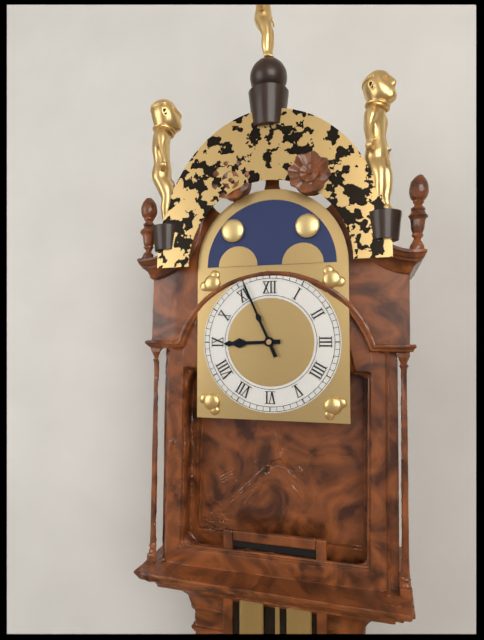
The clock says h=8 m=56
